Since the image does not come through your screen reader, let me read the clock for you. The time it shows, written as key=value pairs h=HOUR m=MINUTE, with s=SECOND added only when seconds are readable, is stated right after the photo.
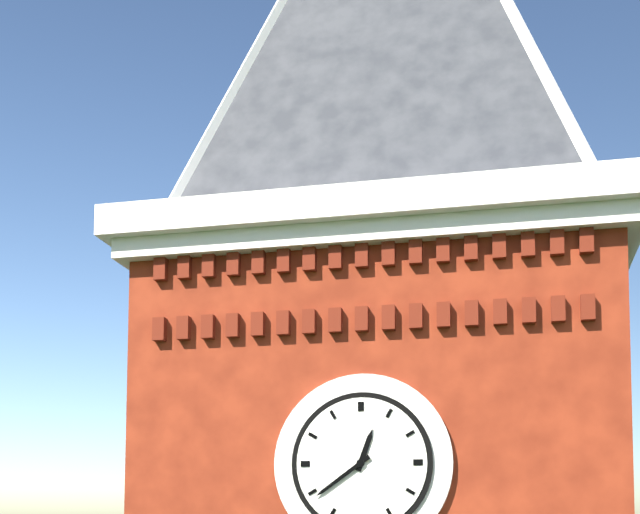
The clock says h=12 m=39
